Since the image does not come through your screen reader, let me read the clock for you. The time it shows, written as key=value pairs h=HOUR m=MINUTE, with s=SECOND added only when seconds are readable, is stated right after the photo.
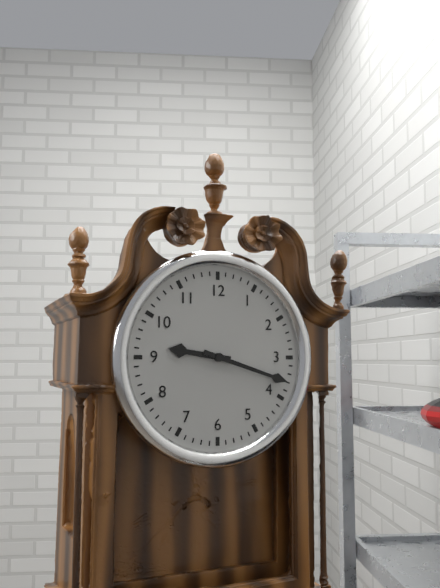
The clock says h=9 m=18
